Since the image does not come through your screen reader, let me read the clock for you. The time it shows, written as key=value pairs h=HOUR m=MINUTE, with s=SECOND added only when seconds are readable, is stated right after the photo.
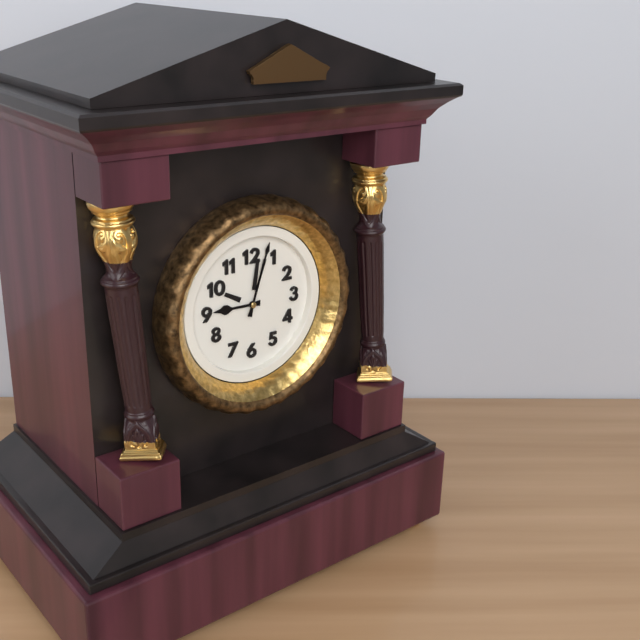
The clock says h=9 m=3
